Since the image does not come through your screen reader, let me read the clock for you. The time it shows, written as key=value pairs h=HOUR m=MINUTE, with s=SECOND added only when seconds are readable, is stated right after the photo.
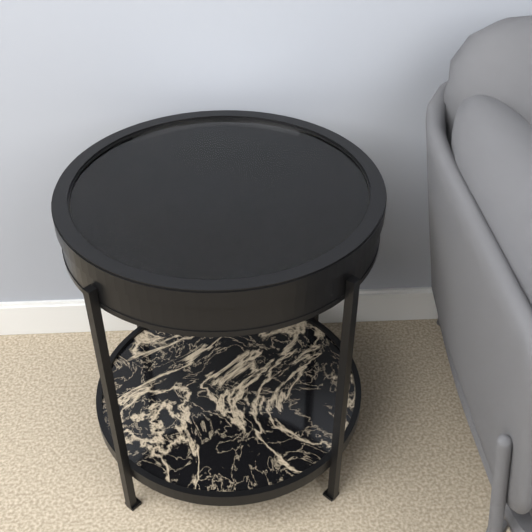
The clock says h=9 m=46
